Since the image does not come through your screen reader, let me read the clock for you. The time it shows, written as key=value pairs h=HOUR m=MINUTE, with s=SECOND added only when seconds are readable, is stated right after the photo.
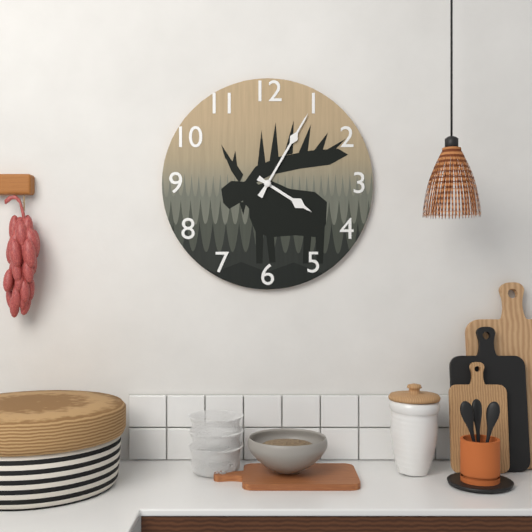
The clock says h=4 m=5
